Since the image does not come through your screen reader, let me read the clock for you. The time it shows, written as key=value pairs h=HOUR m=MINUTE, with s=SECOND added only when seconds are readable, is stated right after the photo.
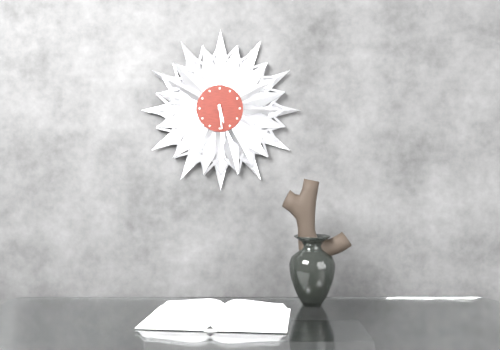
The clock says h=5 m=29
